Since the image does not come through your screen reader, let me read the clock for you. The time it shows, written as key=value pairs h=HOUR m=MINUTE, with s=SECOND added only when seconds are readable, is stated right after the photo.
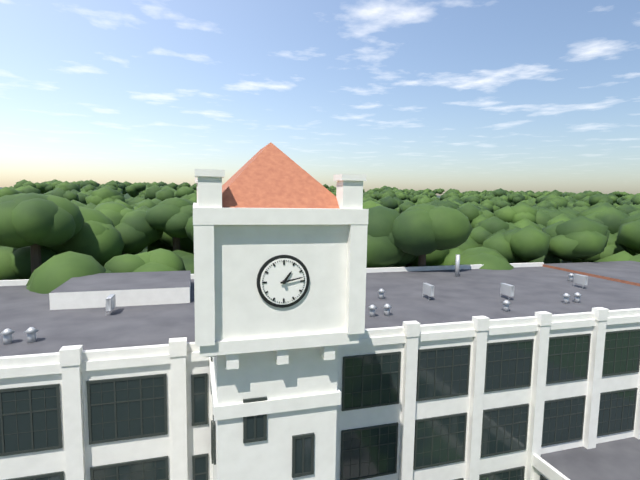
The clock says h=1 m=13
